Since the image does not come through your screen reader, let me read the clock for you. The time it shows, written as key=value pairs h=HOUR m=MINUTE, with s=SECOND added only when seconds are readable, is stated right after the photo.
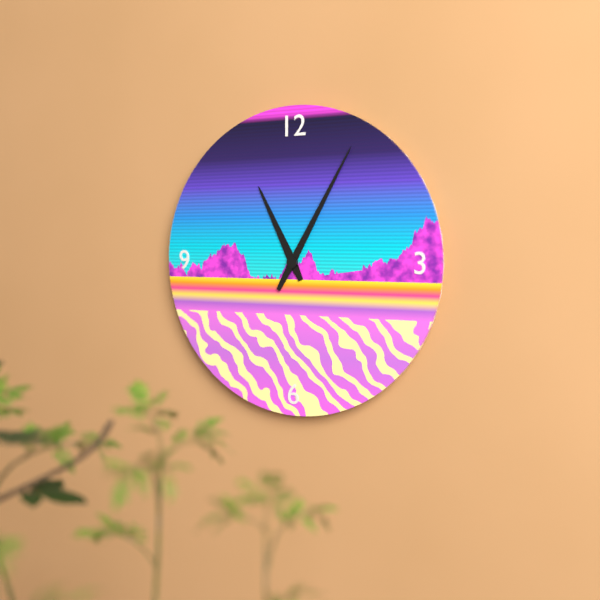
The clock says h=11 m=5
